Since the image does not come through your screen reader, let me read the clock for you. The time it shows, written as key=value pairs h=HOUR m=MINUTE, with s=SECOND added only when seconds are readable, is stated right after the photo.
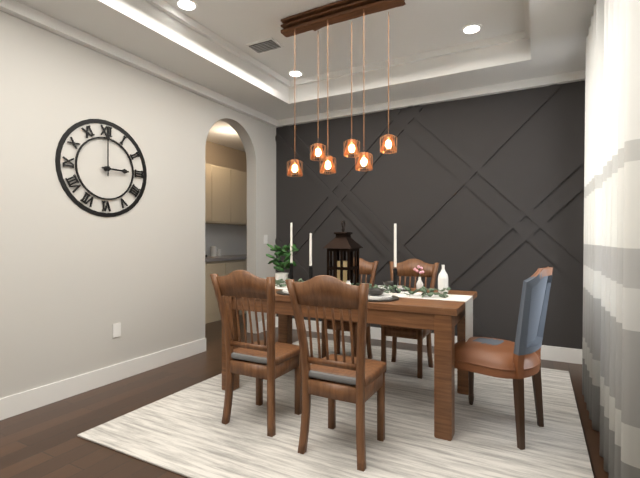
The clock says h=3 m=0
